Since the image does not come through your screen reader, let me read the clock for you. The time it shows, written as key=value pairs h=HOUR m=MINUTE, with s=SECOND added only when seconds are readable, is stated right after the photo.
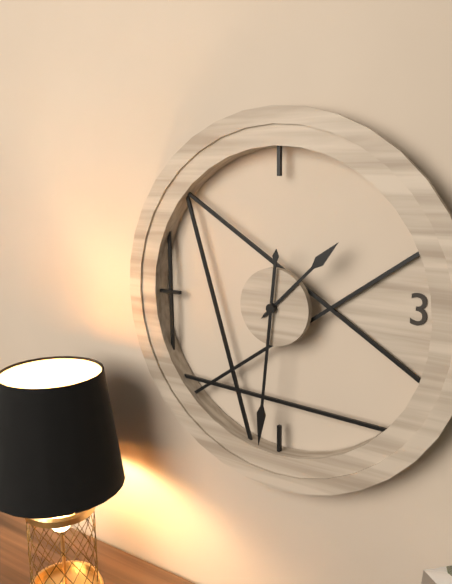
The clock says h=1 m=31
